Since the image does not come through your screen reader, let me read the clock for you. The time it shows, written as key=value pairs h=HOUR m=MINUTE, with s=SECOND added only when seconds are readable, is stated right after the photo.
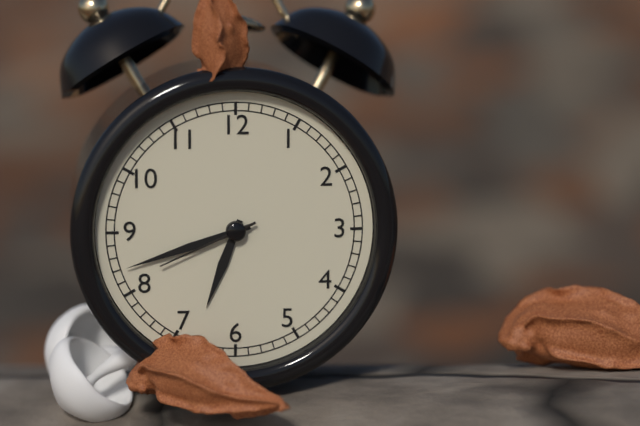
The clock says h=6 m=42 s=41
